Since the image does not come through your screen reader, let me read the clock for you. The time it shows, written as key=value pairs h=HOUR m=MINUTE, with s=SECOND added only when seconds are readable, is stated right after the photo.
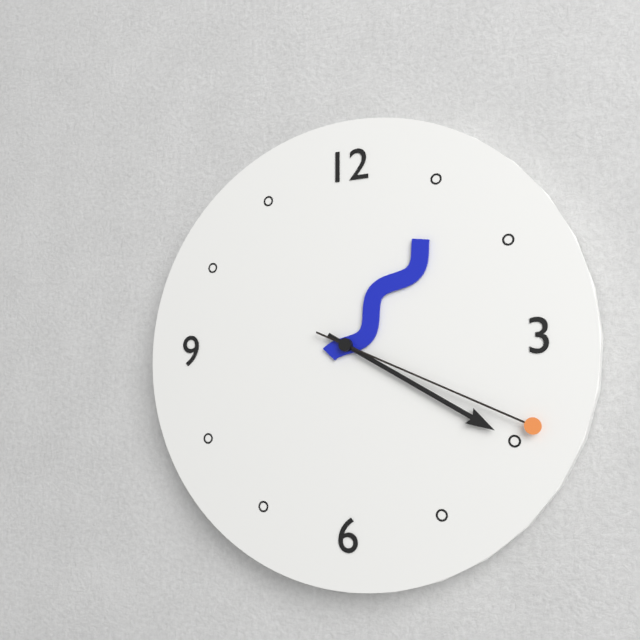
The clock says h=1 m=20 s=19
